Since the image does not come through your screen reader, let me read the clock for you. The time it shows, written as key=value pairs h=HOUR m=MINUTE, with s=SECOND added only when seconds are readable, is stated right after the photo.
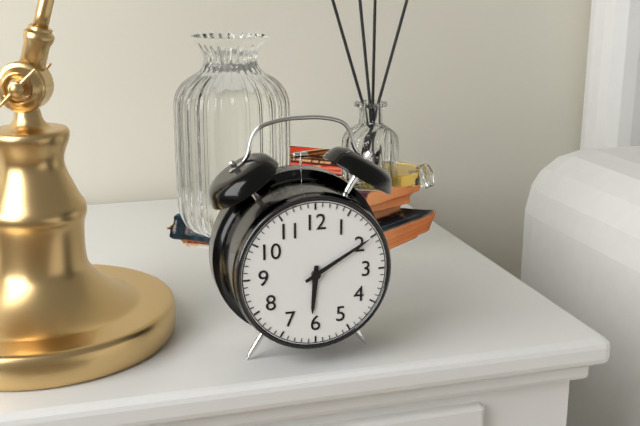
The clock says h=6 m=10
